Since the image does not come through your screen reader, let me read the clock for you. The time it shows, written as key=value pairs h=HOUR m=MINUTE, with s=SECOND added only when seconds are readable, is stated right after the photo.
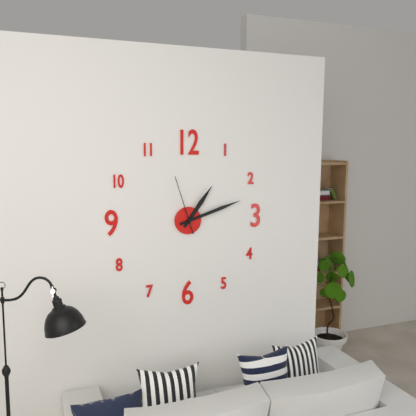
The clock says h=1 m=12 s=57
